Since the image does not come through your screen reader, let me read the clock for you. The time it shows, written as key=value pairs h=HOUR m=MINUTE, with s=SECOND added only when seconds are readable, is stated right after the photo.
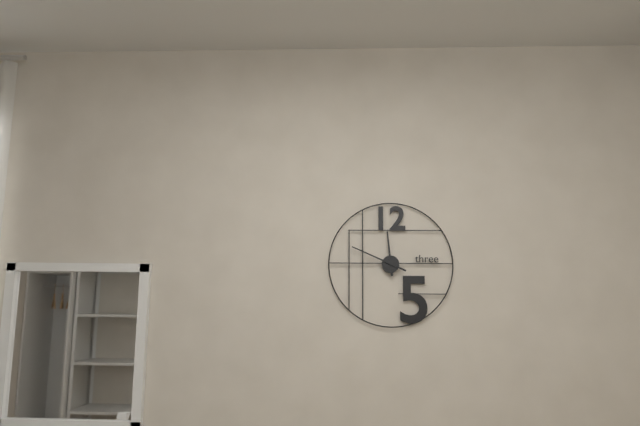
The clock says h=11 m=49
